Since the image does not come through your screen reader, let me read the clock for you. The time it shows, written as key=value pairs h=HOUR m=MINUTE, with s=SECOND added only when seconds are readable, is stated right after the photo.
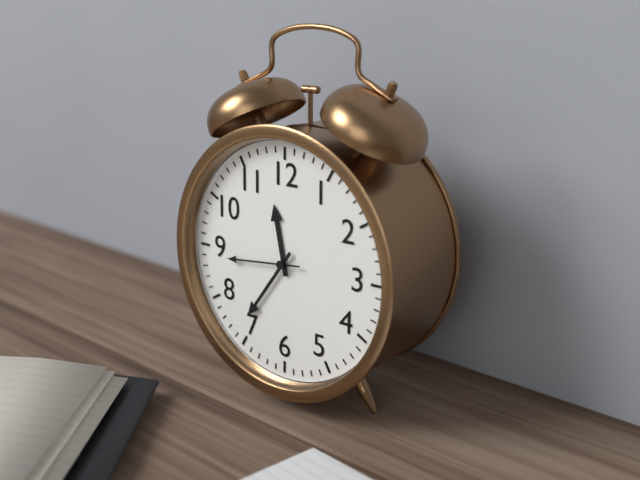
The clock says h=11 m=36 s=44
